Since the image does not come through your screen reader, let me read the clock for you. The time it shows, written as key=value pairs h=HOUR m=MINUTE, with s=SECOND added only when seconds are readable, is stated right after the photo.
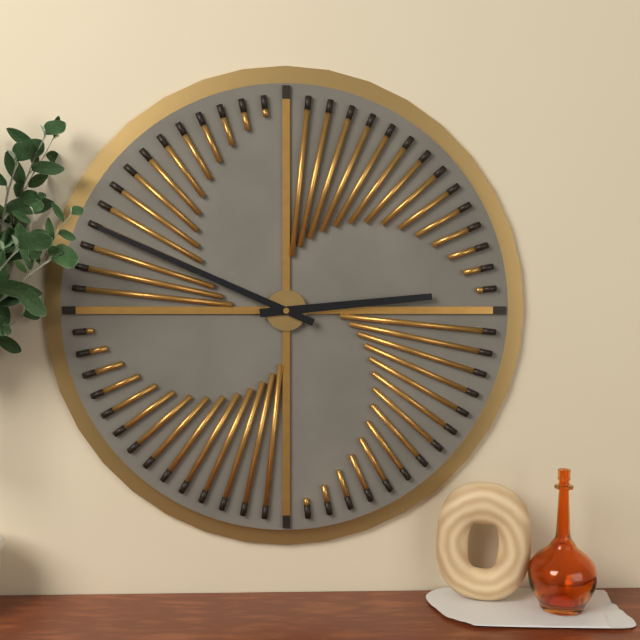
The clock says h=2 m=49
